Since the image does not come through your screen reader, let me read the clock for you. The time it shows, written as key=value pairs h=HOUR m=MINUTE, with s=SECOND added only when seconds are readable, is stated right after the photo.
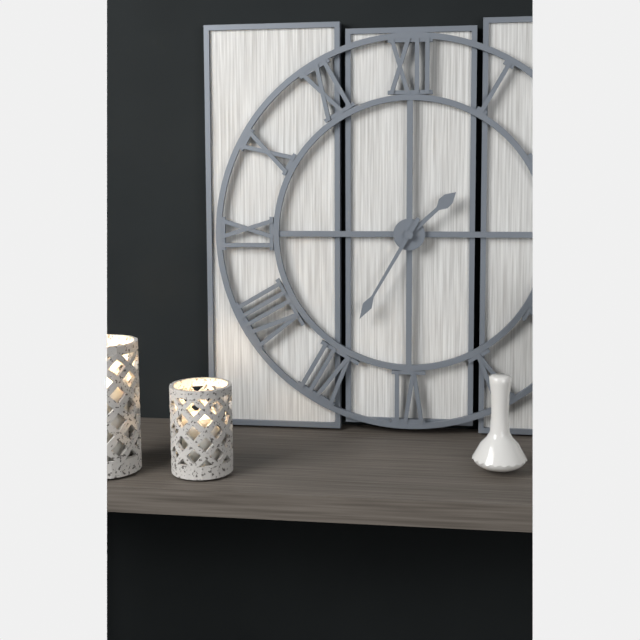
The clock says h=1 m=35
